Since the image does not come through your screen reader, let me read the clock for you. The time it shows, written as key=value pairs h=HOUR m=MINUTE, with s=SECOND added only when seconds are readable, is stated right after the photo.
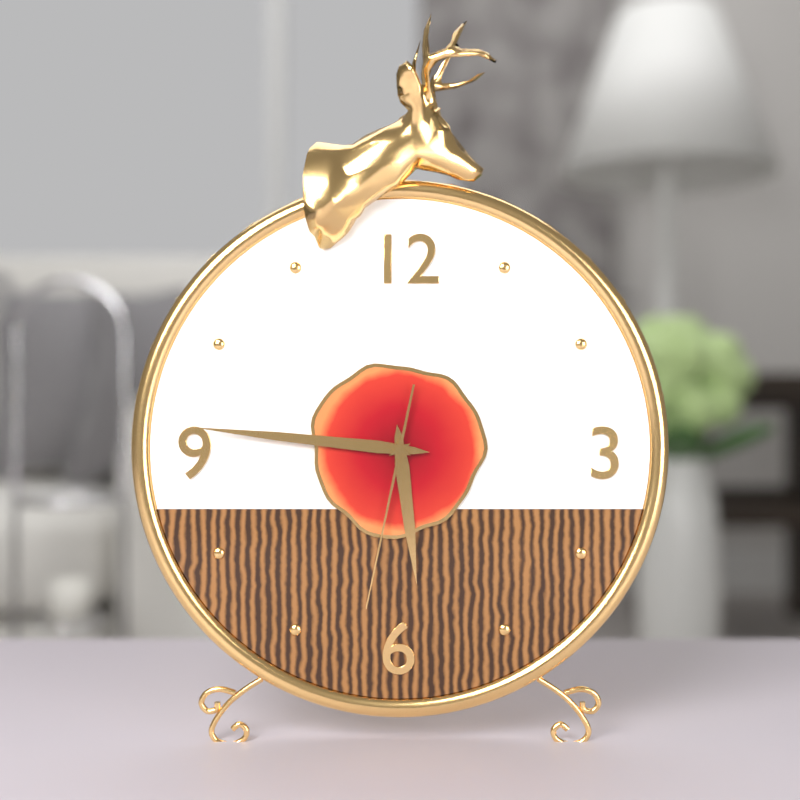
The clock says h=5 m=46 s=32
